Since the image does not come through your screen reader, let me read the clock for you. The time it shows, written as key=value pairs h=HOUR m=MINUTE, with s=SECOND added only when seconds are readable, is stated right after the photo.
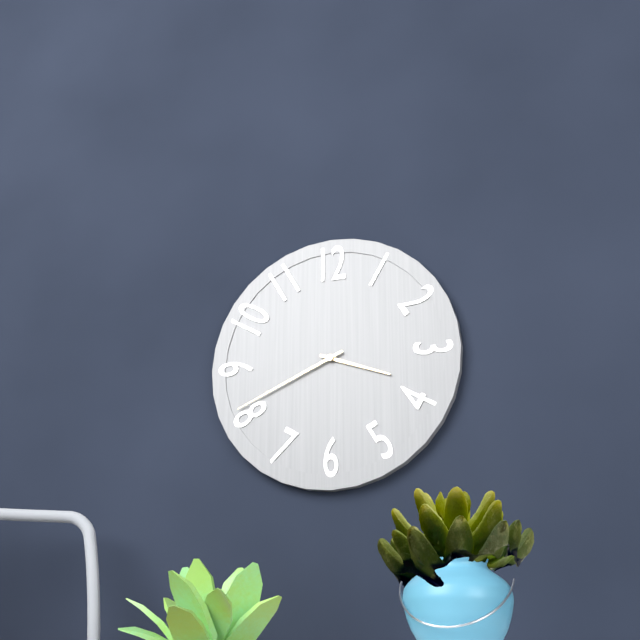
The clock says h=3 m=41
